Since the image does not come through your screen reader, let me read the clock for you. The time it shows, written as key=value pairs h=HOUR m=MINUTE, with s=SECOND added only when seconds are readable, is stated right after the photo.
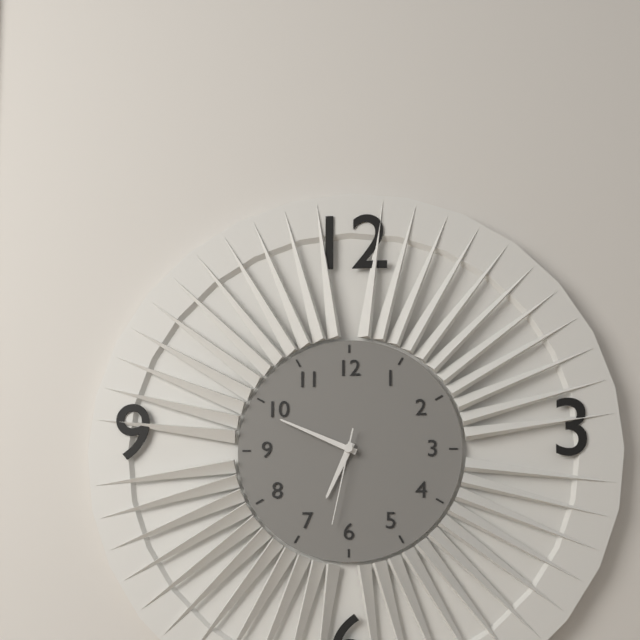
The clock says h=6 m=49 s=32
